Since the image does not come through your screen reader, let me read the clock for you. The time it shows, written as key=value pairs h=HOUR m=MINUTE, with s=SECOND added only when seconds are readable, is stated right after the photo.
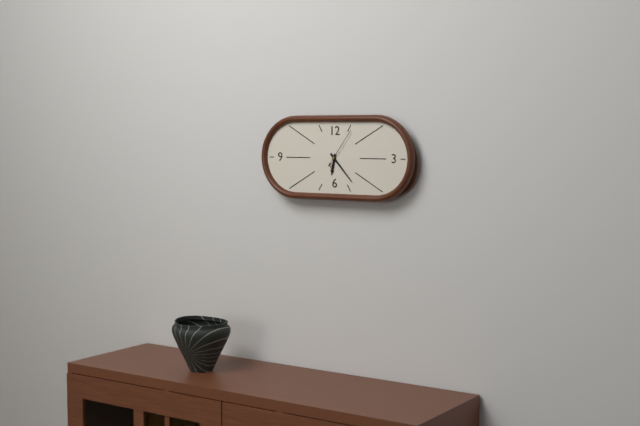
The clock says h=6 m=23
